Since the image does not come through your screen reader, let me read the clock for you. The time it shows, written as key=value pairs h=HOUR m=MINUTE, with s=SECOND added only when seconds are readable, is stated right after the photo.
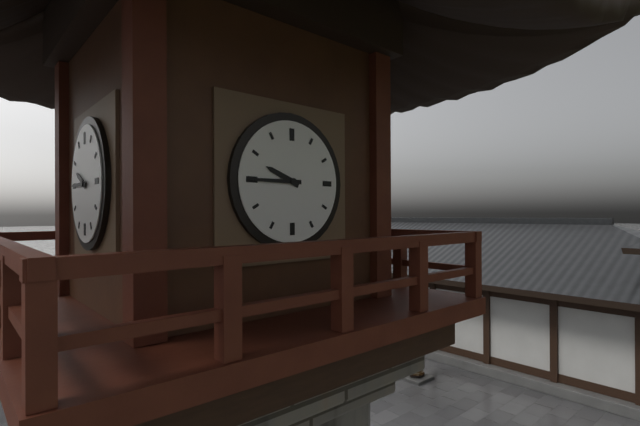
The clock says h=9 m=45
